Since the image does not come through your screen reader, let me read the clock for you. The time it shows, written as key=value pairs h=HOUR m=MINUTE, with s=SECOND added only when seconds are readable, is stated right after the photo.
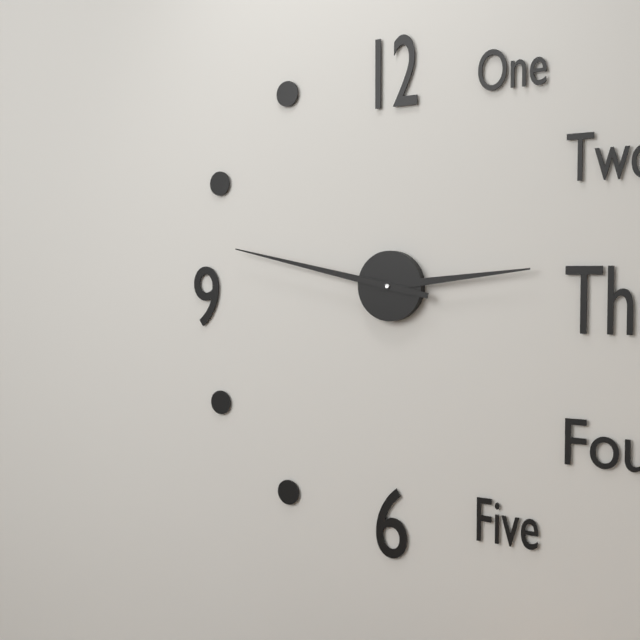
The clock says h=2 m=47
